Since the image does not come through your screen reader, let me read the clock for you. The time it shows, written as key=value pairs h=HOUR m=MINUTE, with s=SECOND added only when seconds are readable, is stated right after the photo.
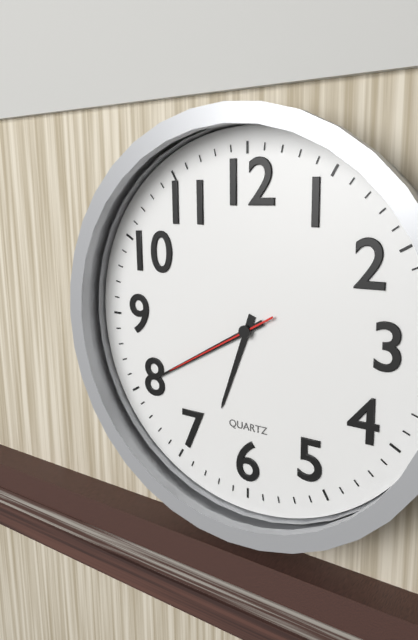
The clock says h=6 m=40 s=40
